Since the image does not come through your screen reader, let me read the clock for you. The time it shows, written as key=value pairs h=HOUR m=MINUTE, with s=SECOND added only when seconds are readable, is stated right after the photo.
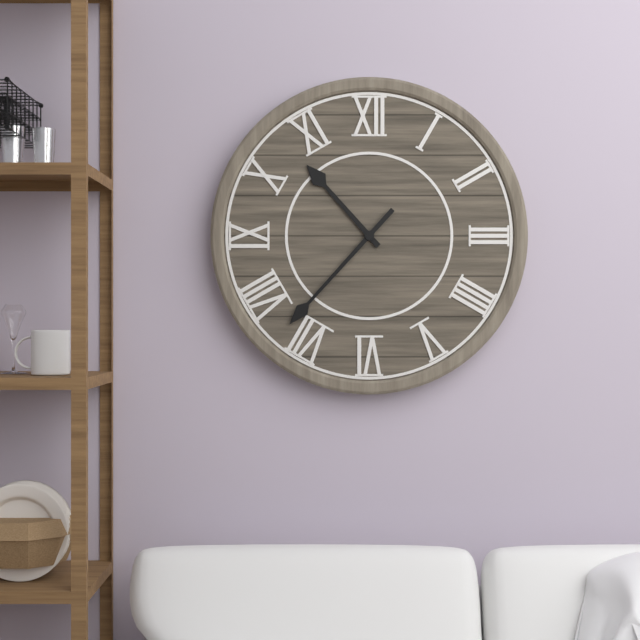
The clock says h=10 m=37
